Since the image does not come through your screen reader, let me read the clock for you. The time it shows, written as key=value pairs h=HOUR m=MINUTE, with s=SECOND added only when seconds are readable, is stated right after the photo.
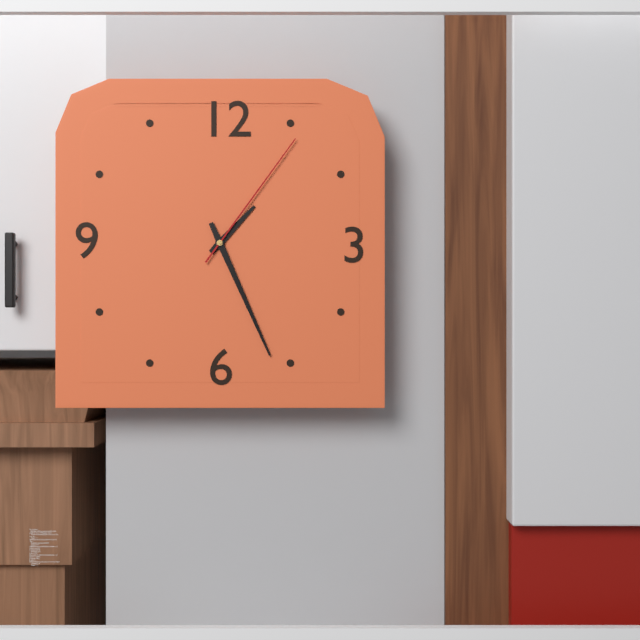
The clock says h=1 m=26 s=6
